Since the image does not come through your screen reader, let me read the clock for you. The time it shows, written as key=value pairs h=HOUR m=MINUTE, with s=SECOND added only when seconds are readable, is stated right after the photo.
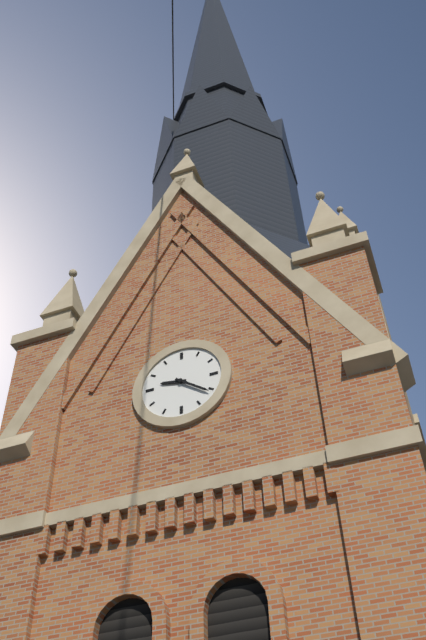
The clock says h=9 m=21
